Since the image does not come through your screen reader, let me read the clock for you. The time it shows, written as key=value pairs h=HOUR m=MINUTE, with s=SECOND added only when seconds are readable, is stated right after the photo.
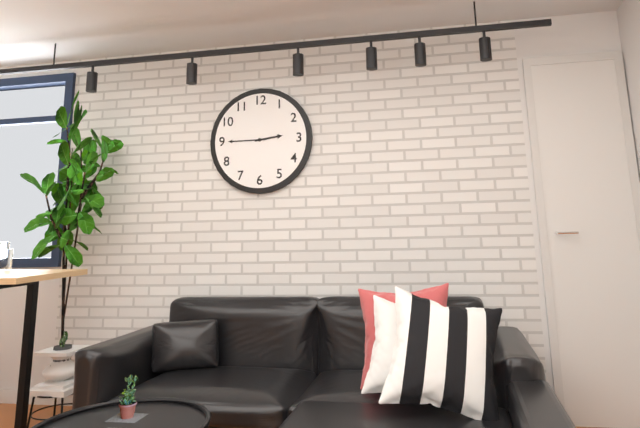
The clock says h=2 m=45
